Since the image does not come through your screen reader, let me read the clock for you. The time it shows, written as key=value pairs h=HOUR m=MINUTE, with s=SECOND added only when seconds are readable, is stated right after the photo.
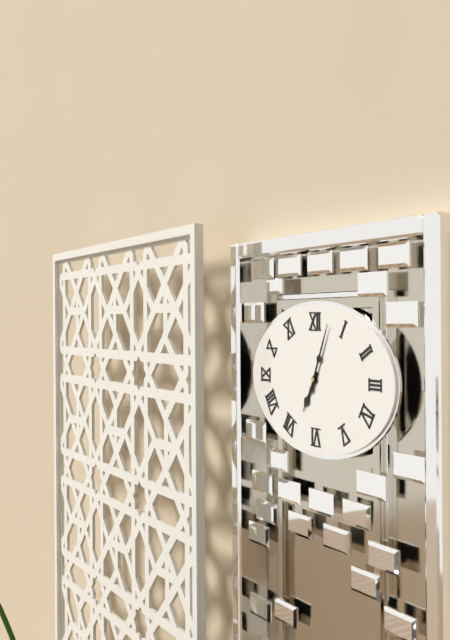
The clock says h=7 m=4
